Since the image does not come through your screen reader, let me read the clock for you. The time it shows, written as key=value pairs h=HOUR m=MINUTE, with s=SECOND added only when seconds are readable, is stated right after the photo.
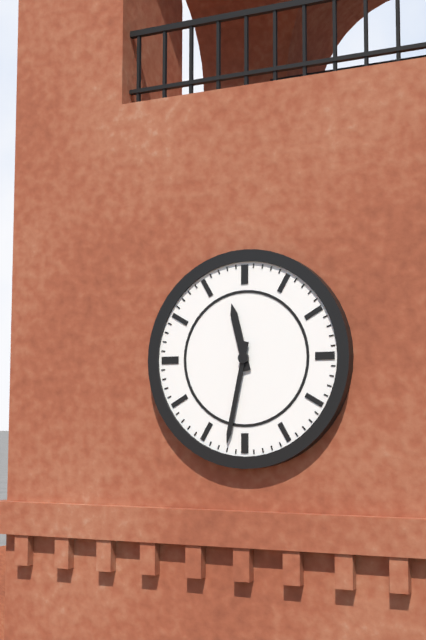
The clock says h=11 m=32
